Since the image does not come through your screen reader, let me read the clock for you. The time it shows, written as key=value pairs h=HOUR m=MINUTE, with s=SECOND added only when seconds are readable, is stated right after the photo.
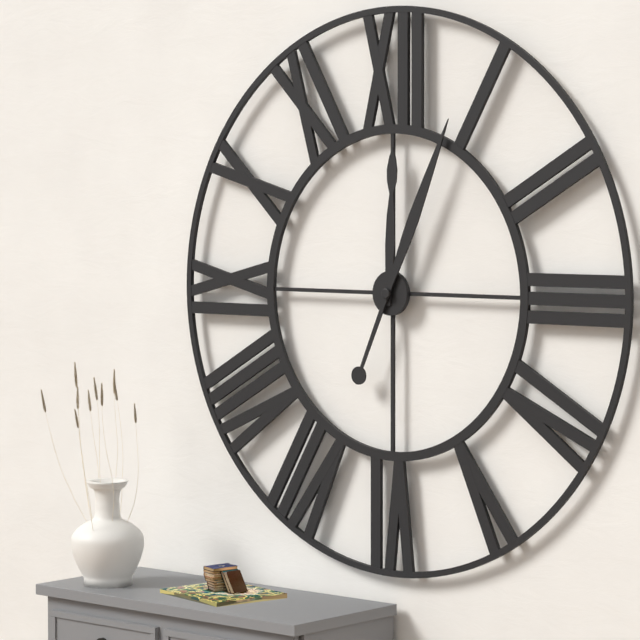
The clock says h=12 m=4
